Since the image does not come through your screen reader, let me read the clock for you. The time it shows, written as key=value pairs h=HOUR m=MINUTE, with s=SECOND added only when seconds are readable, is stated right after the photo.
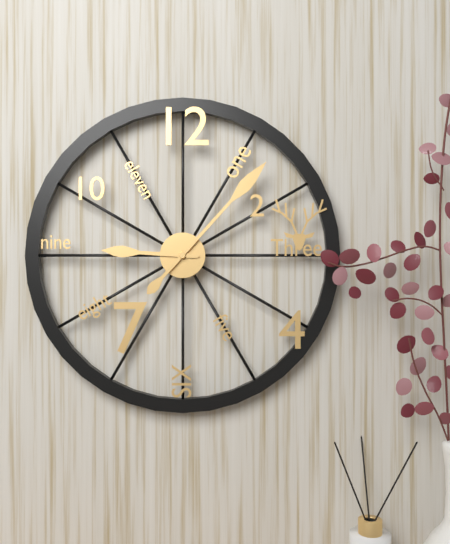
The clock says h=9 m=7
